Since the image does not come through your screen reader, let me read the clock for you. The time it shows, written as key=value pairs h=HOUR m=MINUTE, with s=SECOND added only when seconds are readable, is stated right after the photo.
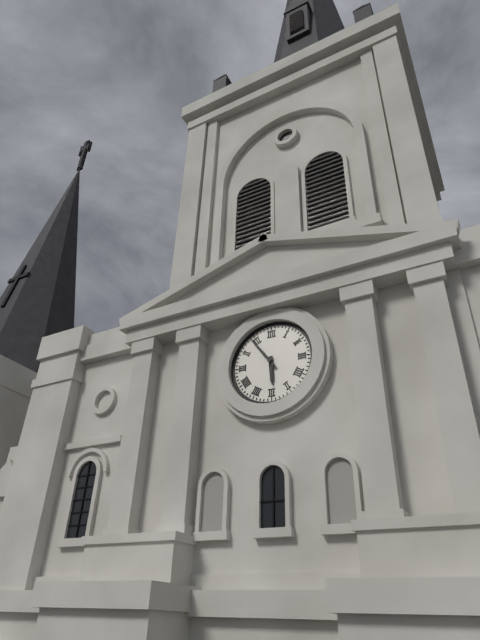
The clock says h=5 m=54
